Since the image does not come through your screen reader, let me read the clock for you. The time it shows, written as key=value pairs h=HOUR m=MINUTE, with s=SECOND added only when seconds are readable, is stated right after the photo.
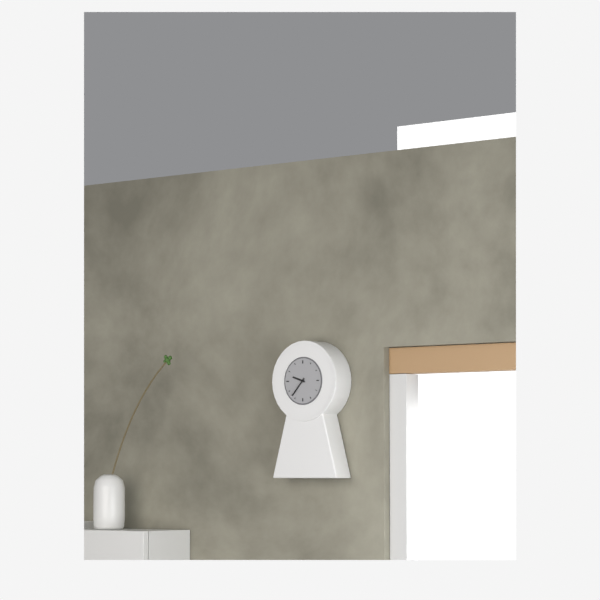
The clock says h=9 m=37
